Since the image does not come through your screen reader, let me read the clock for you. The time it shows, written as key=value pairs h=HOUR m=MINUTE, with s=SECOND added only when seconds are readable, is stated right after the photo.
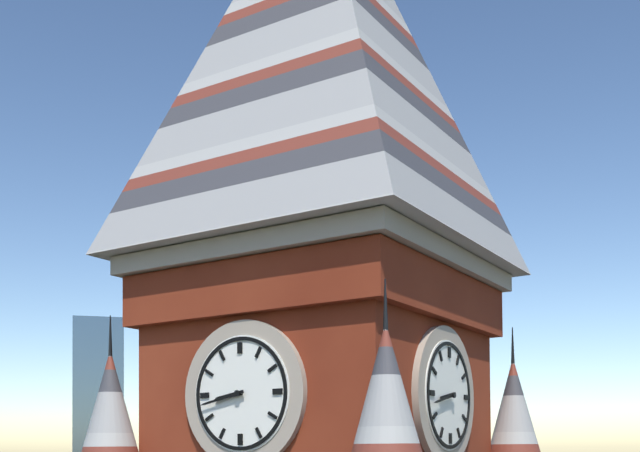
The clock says h=8 m=43
